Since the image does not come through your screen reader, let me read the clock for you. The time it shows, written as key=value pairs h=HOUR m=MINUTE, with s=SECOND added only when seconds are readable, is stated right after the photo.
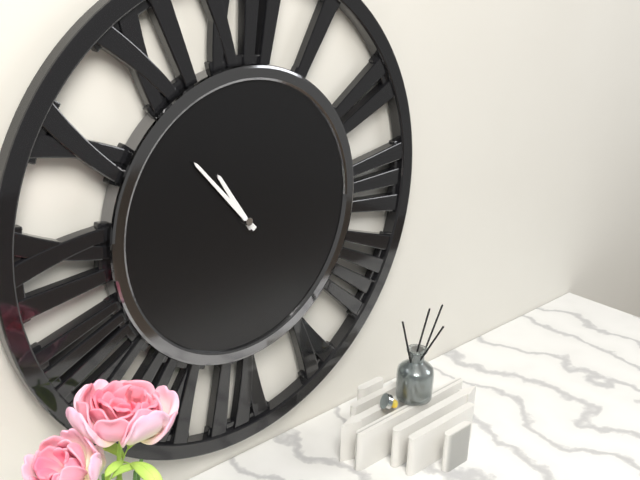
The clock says h=10 m=53
